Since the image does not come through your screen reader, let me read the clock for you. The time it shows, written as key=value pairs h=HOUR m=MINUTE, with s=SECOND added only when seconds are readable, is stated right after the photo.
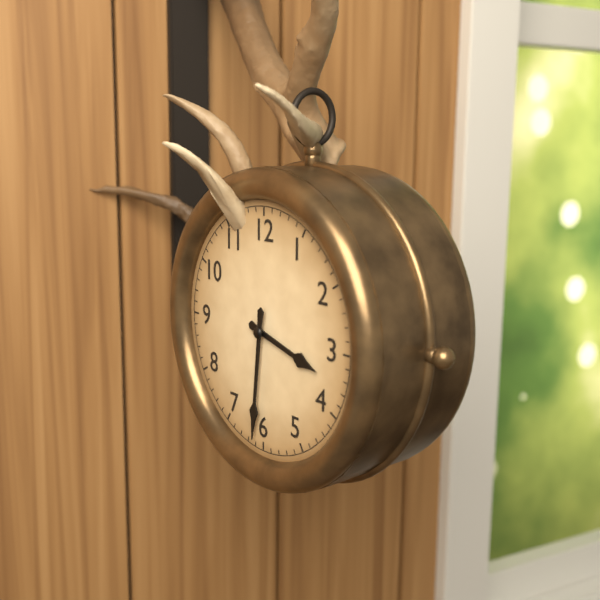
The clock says h=3 m=31
